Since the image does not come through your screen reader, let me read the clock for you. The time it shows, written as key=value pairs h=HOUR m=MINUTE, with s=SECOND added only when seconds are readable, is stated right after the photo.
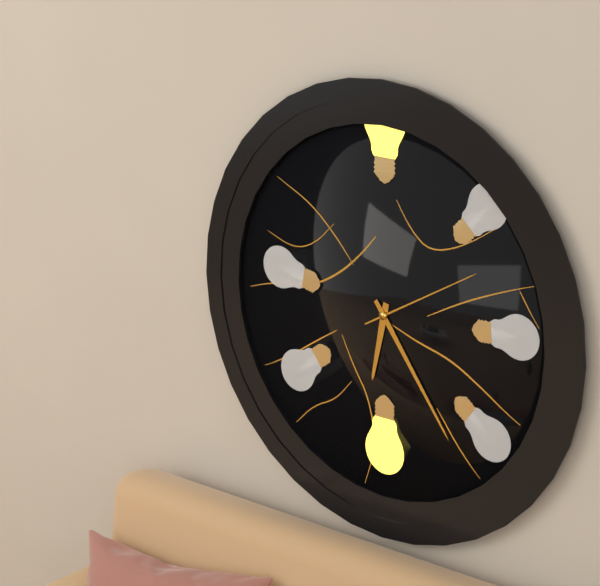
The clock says h=6 m=24 s=10
